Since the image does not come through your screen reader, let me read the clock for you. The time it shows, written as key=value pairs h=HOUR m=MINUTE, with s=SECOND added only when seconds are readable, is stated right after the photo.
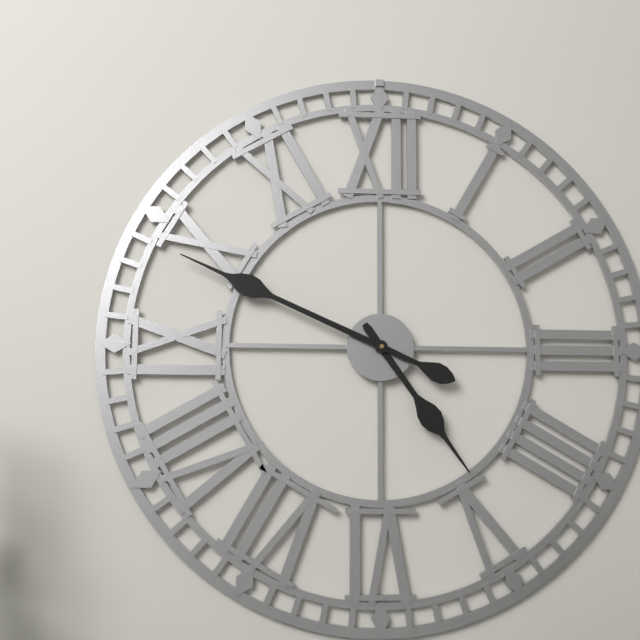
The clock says h=4 m=49
